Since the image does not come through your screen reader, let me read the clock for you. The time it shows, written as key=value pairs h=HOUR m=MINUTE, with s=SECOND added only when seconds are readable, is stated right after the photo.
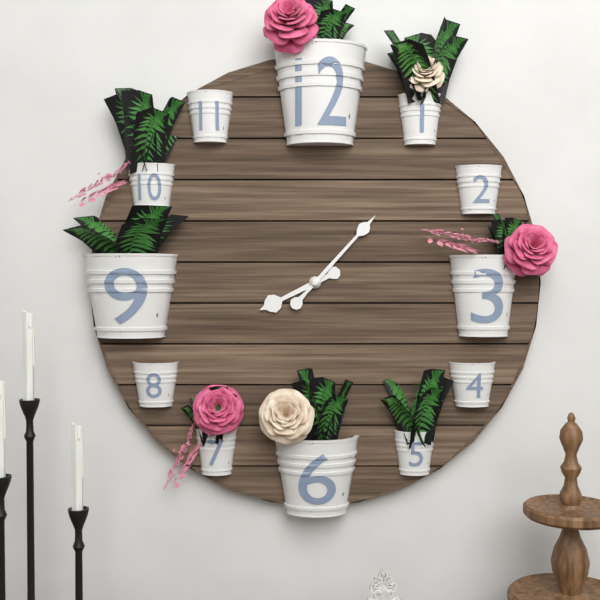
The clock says h=8 m=7
